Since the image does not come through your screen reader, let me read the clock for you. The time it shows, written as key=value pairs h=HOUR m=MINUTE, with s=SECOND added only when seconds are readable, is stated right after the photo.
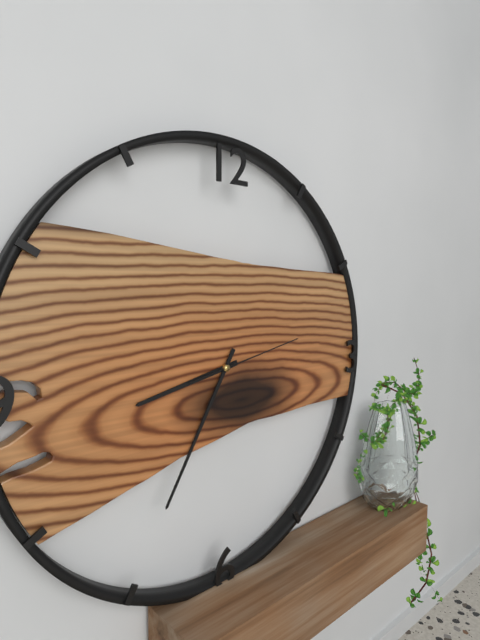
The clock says h=8 m=35 s=13
